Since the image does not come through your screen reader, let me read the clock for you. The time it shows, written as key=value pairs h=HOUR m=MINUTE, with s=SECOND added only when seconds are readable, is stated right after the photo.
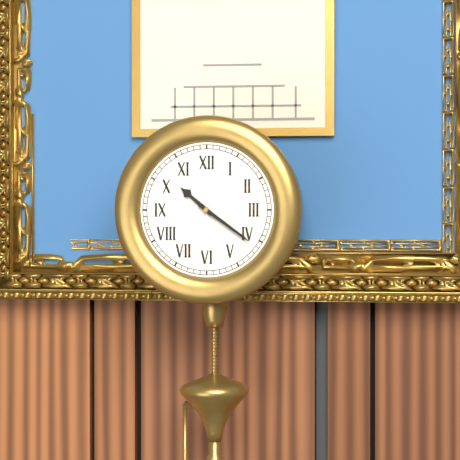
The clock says h=10 m=21
